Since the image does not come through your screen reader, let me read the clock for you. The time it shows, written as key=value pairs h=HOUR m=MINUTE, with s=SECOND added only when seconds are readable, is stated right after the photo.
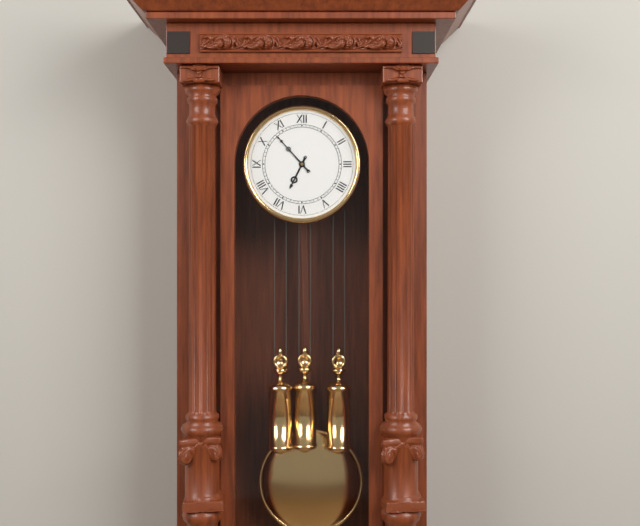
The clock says h=6 m=53
